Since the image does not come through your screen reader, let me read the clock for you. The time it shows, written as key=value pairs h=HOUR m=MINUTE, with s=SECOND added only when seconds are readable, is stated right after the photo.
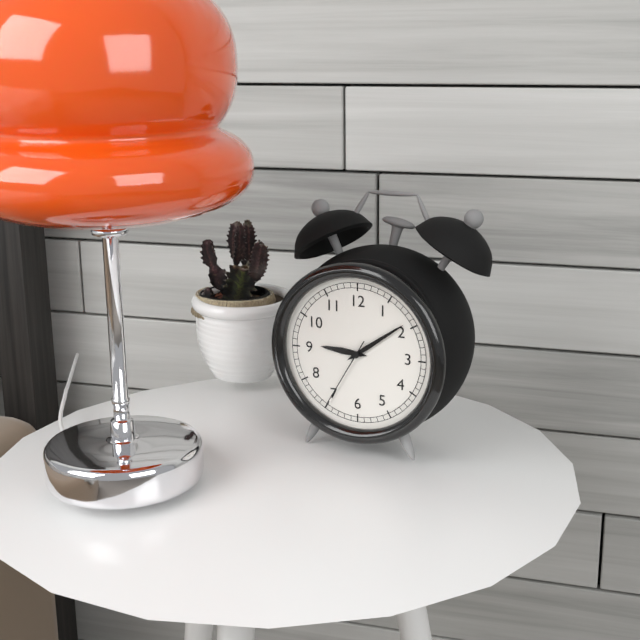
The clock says h=9 m=9 s=35
